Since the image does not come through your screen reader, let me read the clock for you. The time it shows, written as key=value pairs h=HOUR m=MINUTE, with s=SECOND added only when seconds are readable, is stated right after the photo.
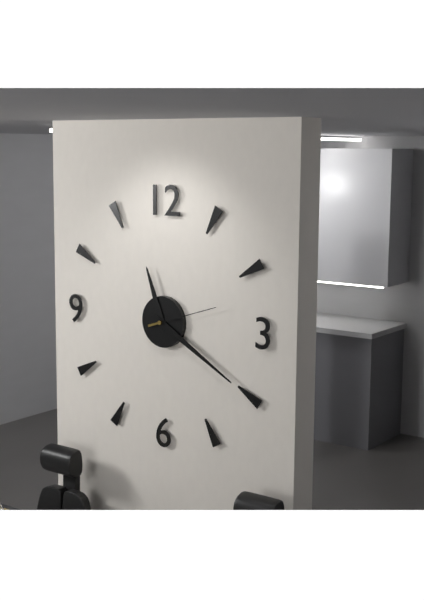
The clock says h=11 m=20 s=12
